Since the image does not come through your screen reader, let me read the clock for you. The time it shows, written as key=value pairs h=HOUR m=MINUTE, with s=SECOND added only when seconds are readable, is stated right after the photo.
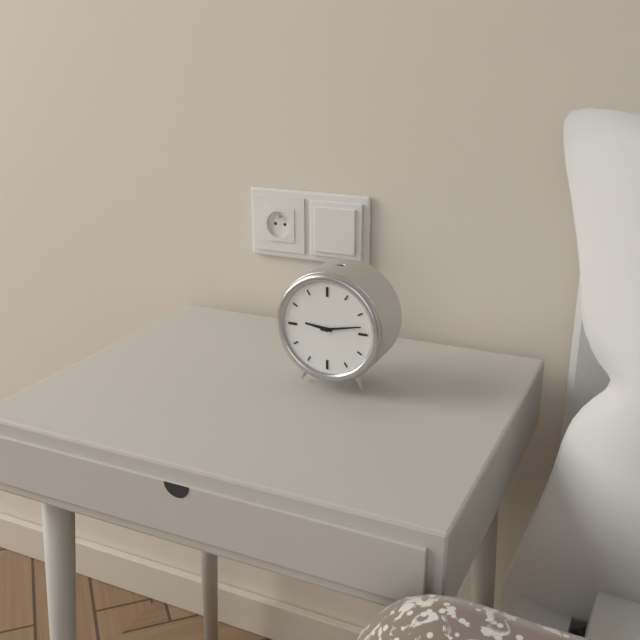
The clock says h=9 m=13
